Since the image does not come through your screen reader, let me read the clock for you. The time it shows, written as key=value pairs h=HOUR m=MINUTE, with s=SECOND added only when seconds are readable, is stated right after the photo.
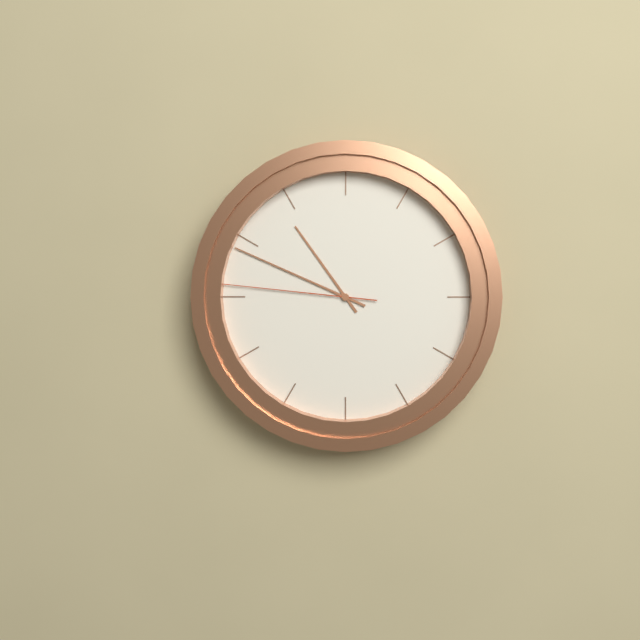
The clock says h=10 m=49 s=46
